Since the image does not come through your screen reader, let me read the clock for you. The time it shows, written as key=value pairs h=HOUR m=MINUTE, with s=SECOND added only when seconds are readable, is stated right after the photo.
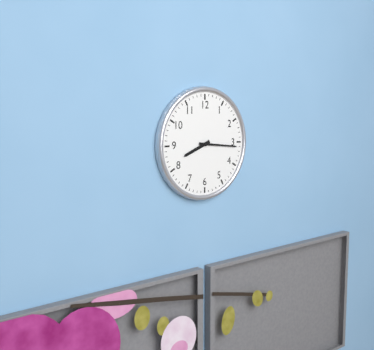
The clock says h=8 m=16
